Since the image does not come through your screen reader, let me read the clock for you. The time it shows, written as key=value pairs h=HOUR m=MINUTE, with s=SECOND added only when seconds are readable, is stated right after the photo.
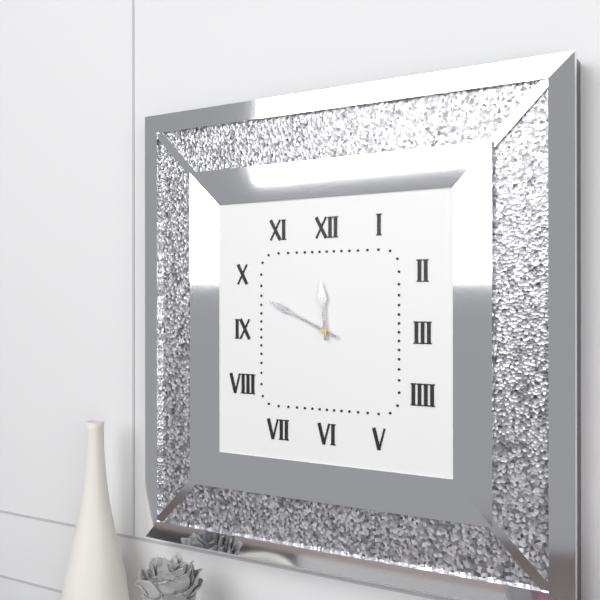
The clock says h=11 m=49
